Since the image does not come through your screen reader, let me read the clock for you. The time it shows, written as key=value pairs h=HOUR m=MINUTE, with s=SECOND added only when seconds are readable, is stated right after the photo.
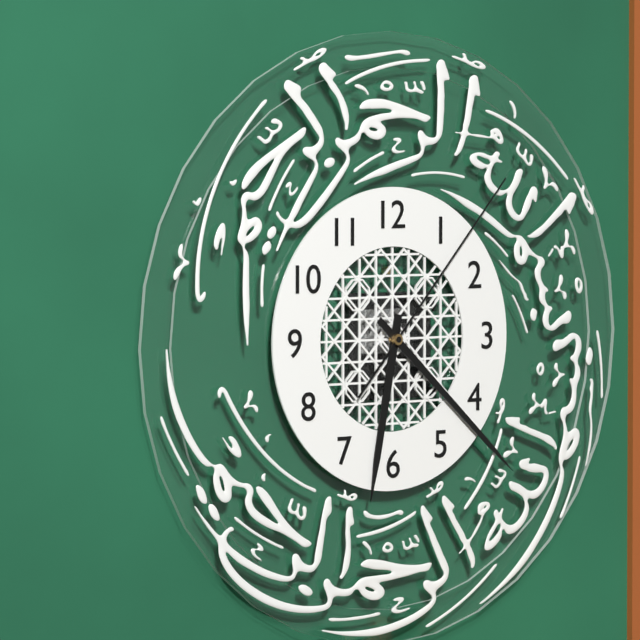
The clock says h=6 m=22 s=7
